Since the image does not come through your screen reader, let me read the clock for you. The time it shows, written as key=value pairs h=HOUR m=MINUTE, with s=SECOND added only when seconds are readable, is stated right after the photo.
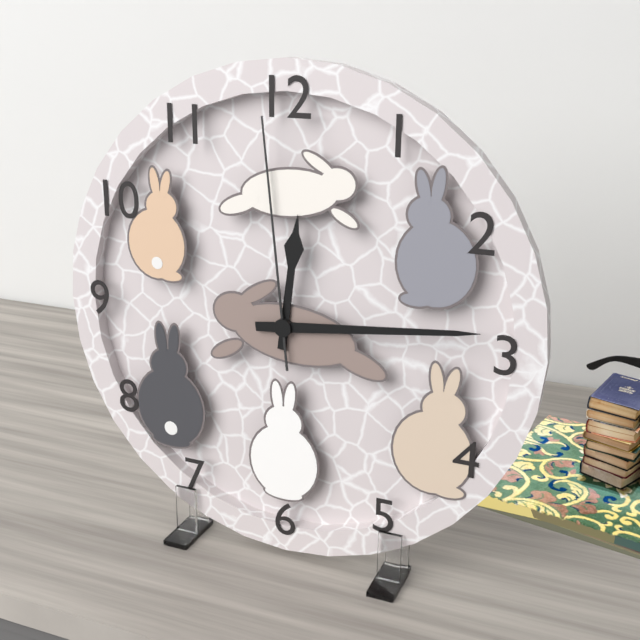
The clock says h=12 m=14 s=59
